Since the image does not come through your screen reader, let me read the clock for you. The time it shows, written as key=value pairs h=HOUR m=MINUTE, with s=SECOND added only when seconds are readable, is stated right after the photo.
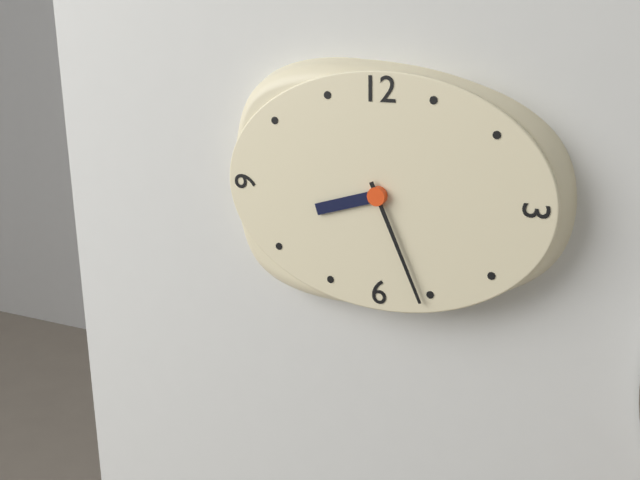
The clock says h=8 m=26
